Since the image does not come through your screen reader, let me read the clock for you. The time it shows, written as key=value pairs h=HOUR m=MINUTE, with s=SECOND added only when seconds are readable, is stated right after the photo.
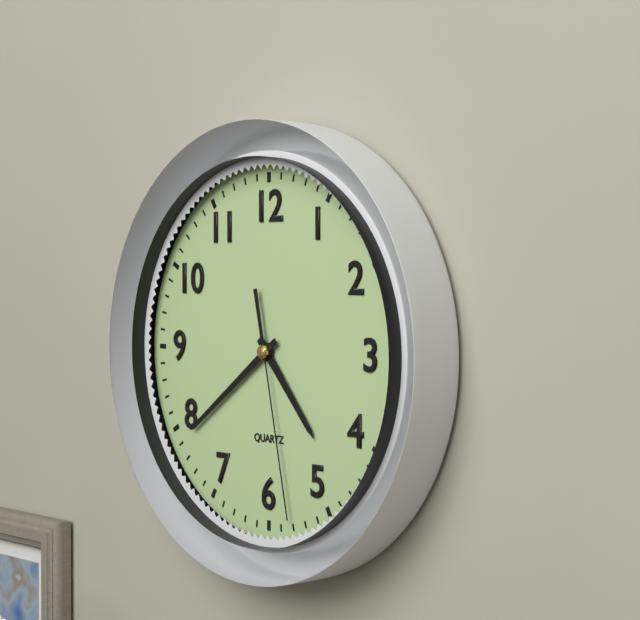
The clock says h=4 m=39 s=28
